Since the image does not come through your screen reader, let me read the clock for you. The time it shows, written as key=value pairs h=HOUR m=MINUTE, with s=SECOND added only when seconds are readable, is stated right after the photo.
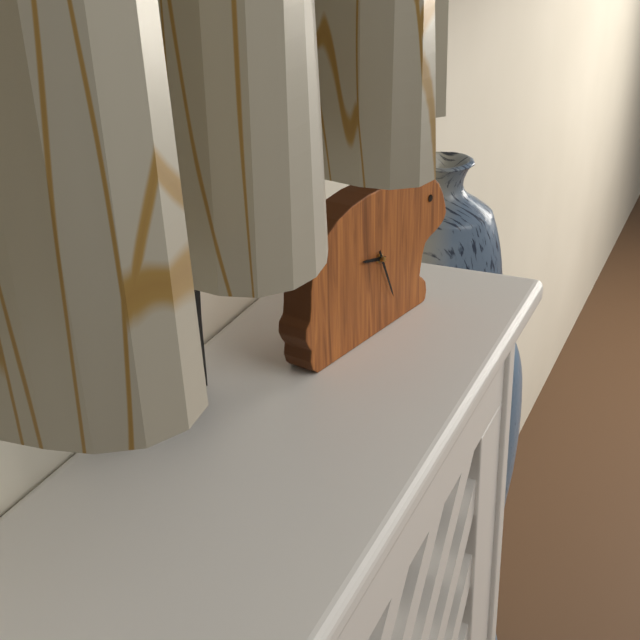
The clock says h=9 m=26
